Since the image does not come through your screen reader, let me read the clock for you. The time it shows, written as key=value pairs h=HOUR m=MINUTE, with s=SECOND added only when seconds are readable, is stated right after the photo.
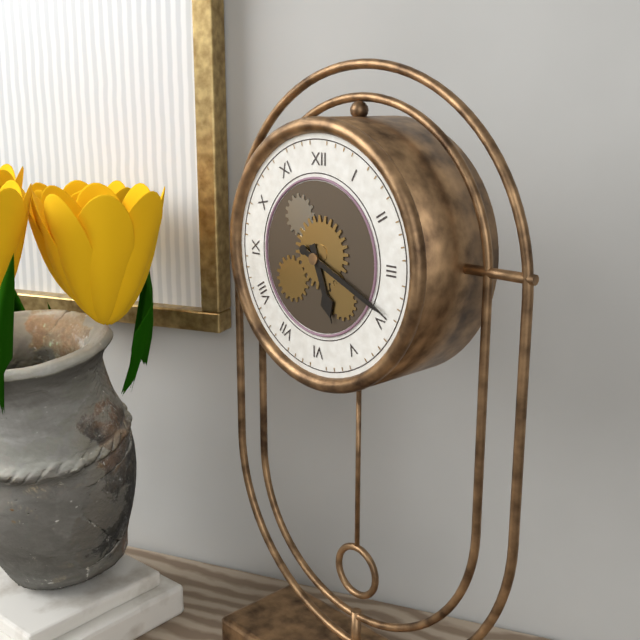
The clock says h=5 m=19
